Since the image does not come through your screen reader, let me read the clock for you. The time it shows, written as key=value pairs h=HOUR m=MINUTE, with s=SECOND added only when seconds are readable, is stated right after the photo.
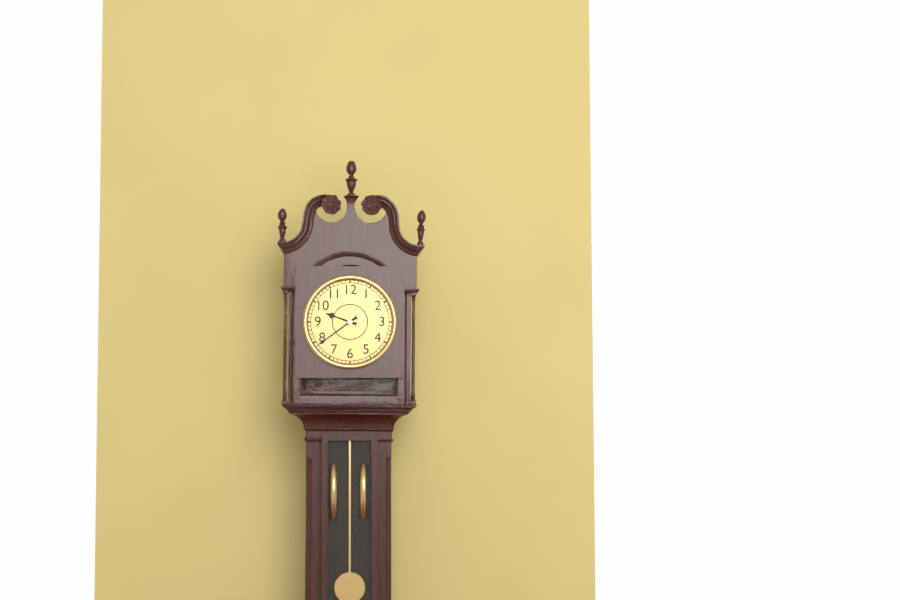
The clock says h=9 m=39
